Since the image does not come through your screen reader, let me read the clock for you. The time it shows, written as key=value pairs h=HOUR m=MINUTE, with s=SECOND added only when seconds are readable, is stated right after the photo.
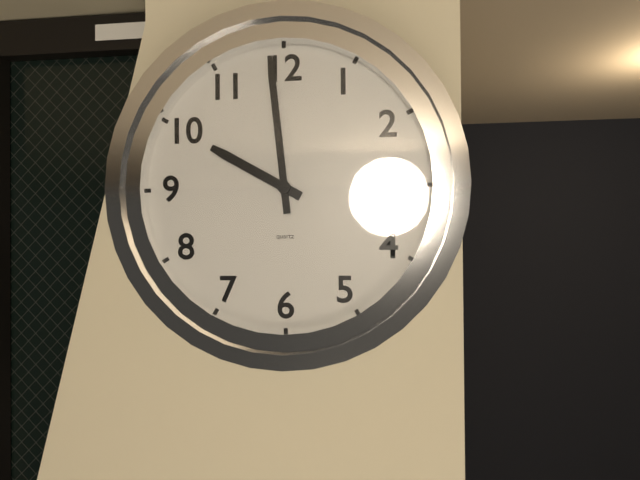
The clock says h=9 m=59
